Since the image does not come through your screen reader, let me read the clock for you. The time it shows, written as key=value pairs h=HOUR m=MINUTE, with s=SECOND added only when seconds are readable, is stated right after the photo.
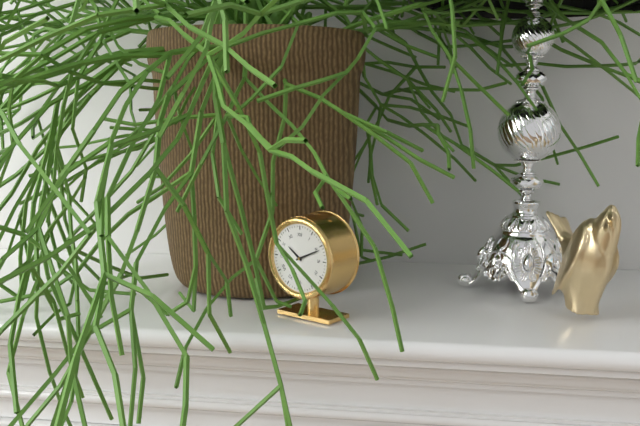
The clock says h=10 m=11
